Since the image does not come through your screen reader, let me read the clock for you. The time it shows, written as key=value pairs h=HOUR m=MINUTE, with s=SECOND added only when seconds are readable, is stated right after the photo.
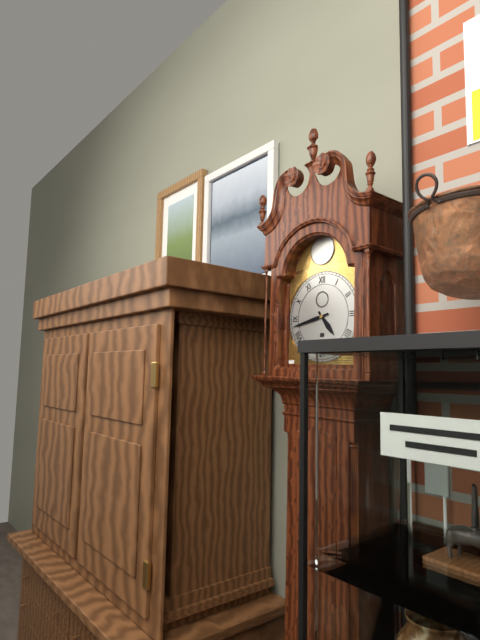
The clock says h=4 m=43
